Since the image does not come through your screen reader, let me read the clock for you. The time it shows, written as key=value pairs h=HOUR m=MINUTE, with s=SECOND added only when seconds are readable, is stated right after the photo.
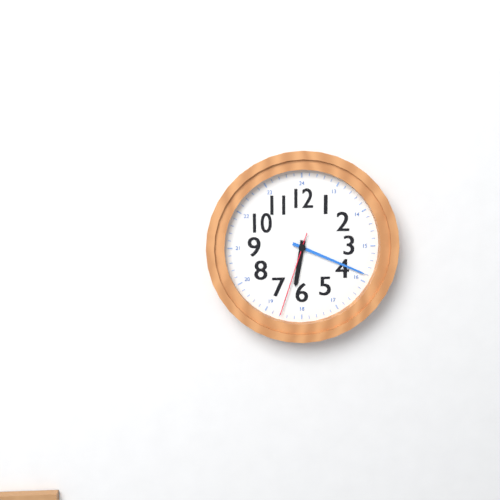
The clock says h=6 m=19 s=33
